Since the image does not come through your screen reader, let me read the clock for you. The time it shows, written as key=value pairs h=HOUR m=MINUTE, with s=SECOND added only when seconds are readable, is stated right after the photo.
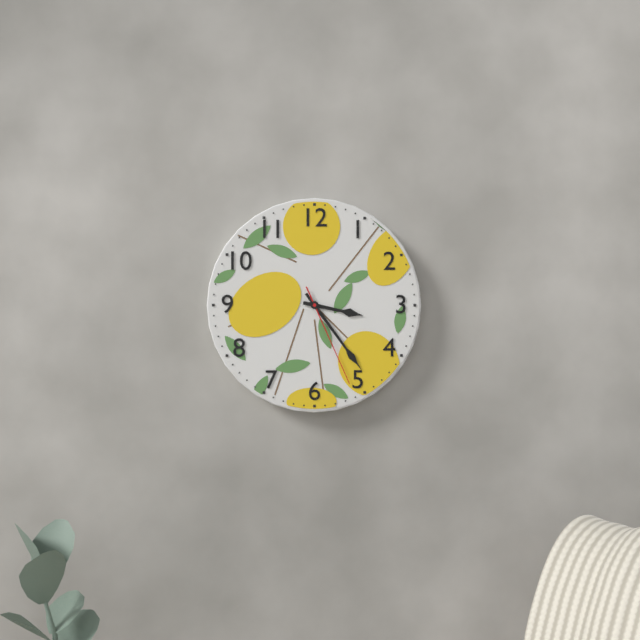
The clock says h=3 m=24 s=26
